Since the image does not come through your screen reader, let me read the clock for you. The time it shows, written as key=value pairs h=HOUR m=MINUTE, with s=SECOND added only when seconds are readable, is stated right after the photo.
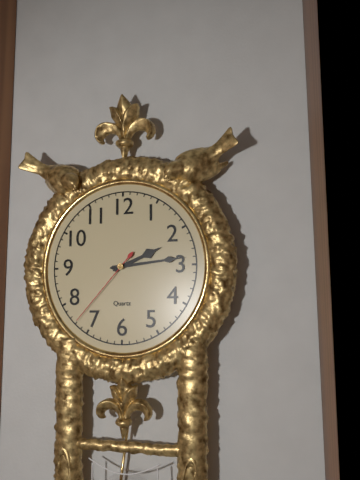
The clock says h=2 m=14 s=37
